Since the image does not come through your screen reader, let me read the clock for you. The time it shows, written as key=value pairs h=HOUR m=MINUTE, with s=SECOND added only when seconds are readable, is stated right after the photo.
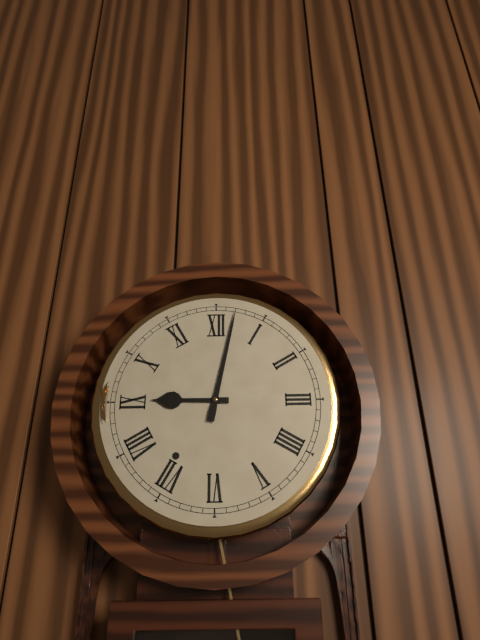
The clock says h=9 m=2
